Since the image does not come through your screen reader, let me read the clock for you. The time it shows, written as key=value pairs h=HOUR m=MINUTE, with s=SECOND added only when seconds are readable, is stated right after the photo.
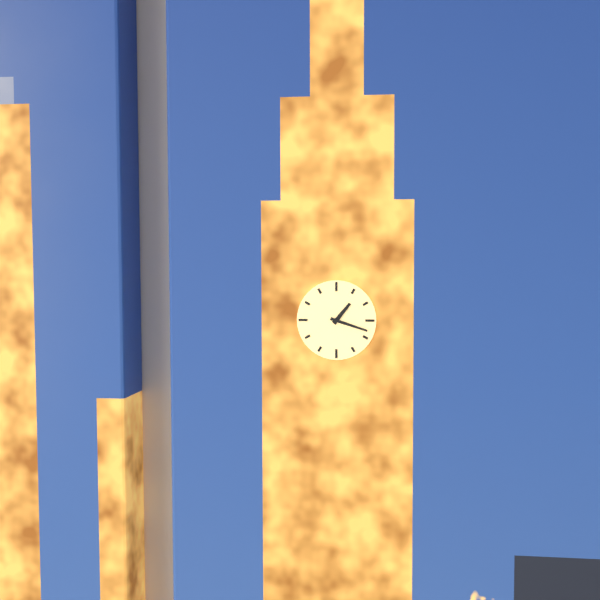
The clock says h=1 m=18
